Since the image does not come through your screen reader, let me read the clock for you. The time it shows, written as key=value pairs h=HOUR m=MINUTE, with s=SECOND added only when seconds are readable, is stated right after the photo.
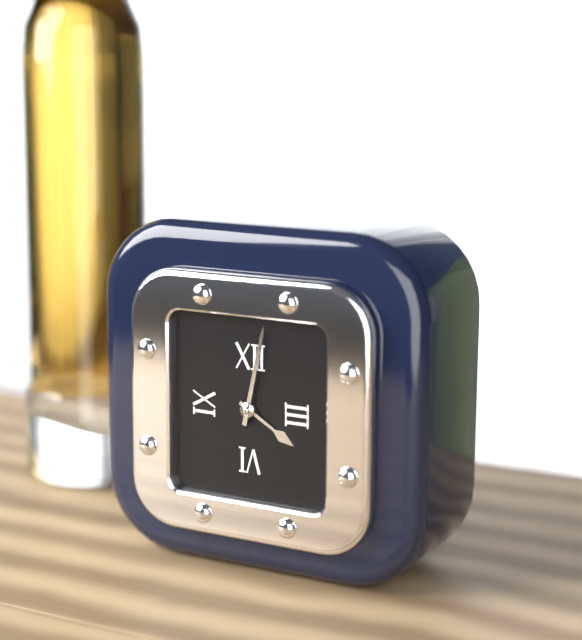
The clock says h=4 m=2
